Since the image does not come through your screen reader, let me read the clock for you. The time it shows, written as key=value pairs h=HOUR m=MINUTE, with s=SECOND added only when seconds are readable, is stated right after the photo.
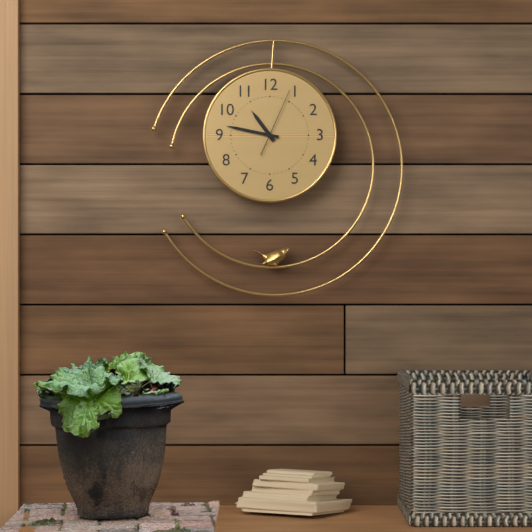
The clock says h=10 m=47 s=4
